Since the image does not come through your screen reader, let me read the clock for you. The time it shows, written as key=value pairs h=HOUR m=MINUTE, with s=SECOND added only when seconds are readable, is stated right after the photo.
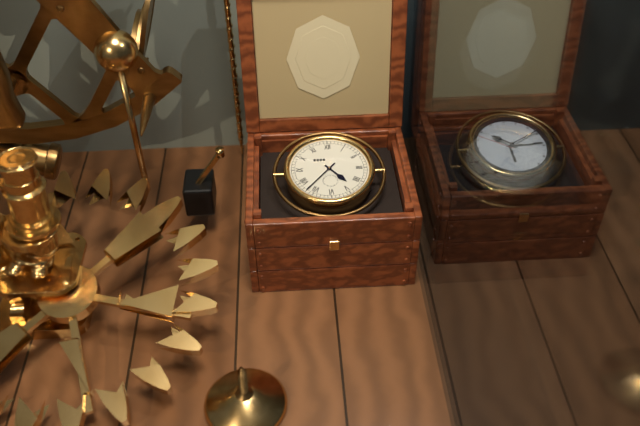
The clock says h=4 m=37
